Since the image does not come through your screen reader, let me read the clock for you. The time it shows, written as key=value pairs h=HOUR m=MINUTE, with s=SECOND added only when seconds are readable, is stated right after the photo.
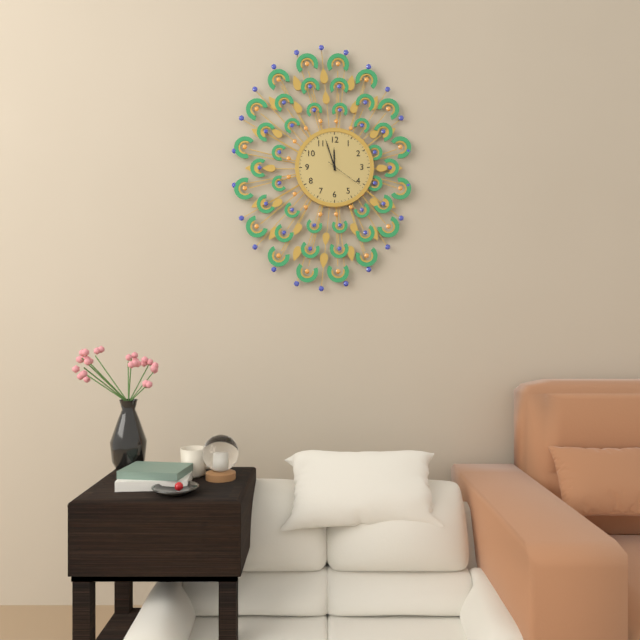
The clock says h=11 m=57
